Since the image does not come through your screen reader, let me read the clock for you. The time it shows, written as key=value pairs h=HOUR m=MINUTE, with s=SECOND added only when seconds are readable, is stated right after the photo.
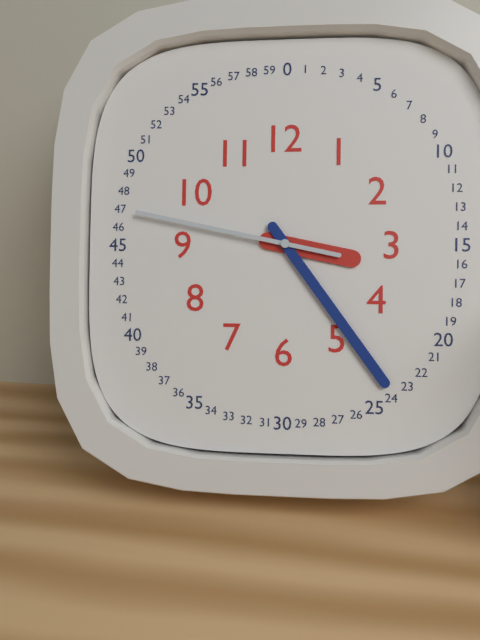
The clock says h=3 m=24 s=47
